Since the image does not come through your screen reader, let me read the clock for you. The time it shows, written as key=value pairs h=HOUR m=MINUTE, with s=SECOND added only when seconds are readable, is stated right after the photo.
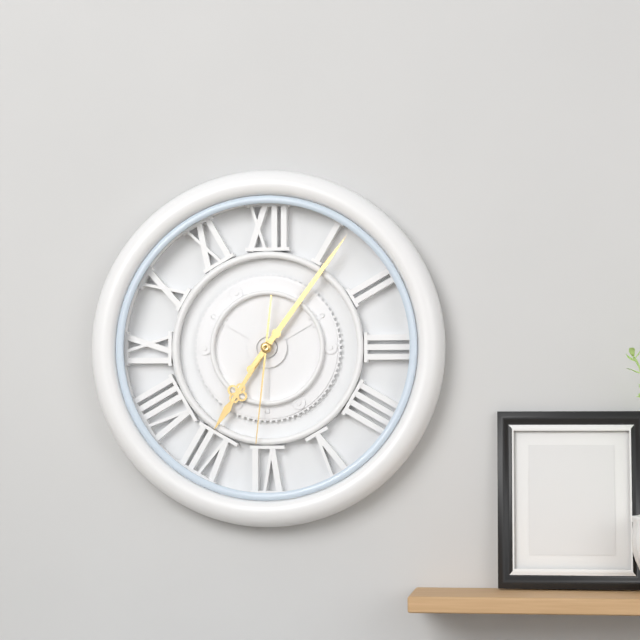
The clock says h=7 m=6 s=31
